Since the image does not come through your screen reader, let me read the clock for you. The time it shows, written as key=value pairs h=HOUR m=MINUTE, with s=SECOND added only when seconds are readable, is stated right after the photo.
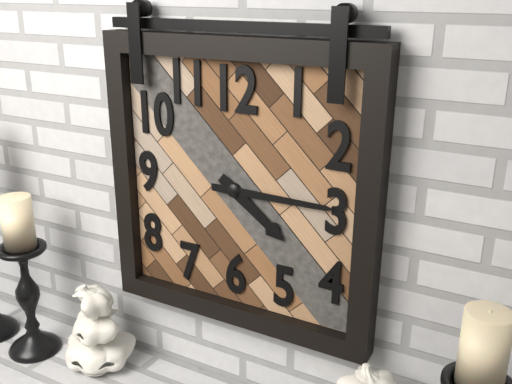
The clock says h=4 m=15
